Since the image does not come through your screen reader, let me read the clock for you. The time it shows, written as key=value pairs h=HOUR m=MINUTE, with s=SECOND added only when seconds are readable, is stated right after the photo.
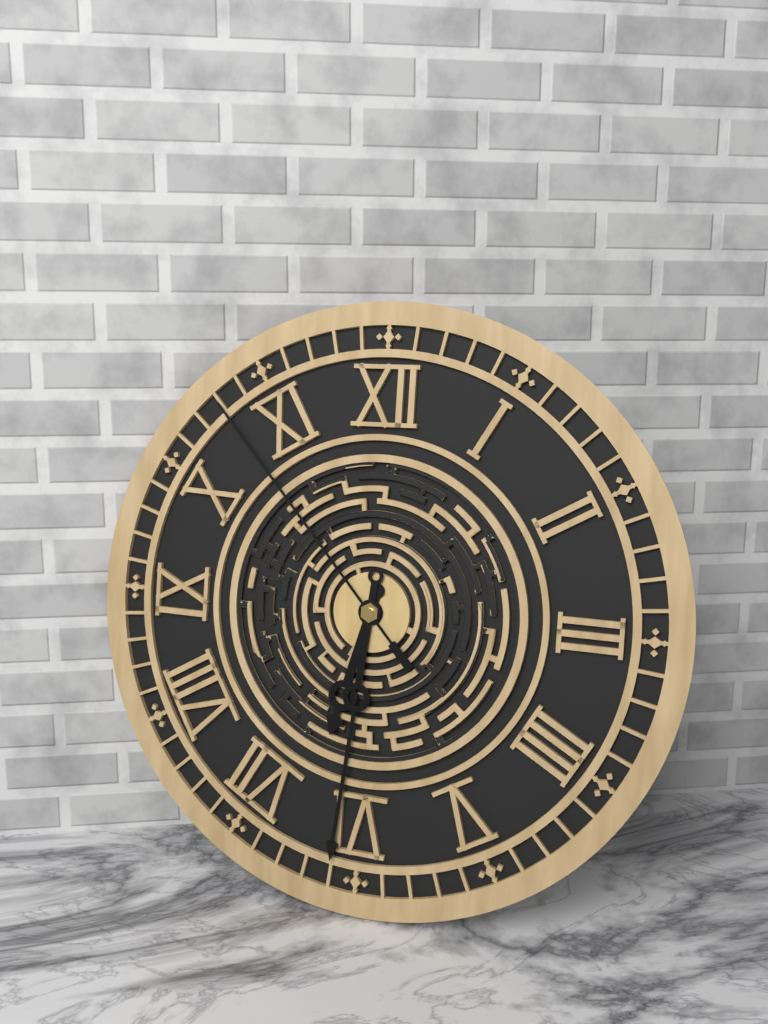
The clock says h=6 m=31 s=53
